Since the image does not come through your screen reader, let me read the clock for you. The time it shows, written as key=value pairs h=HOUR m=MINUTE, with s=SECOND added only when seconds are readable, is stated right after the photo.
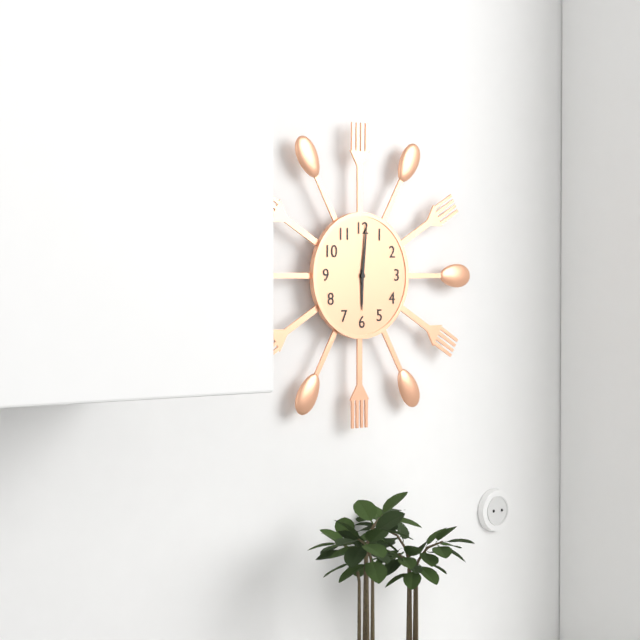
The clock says h=6 m=1
